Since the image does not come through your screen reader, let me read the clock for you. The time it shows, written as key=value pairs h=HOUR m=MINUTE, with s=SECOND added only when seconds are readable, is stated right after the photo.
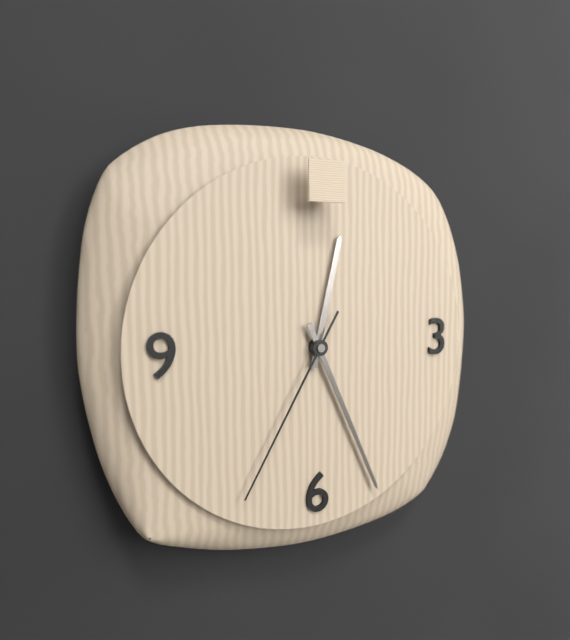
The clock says h=12 m=26 s=35
